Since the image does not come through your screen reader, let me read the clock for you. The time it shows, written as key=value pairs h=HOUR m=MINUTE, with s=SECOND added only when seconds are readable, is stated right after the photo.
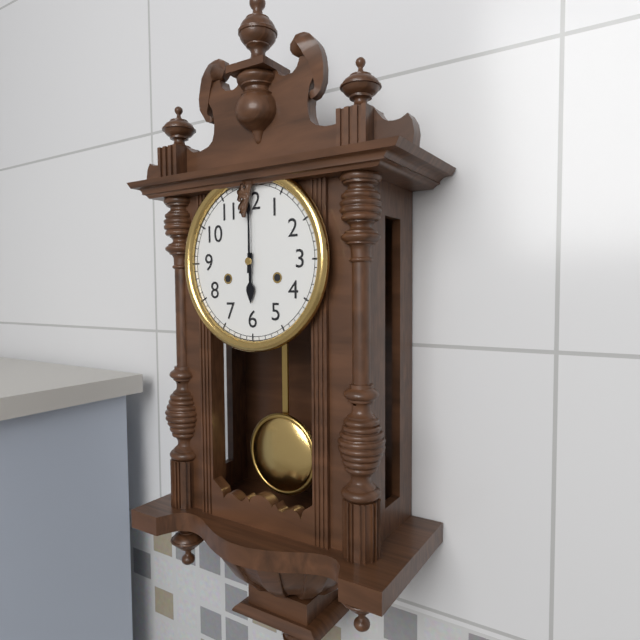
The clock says h=6 m=0
